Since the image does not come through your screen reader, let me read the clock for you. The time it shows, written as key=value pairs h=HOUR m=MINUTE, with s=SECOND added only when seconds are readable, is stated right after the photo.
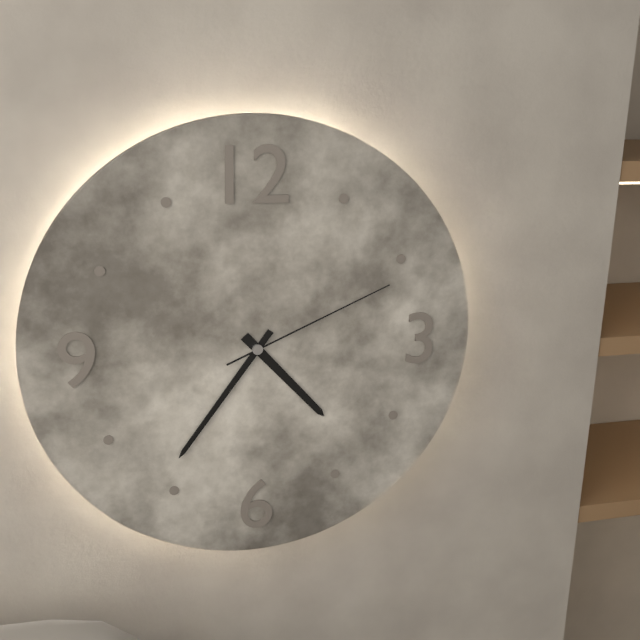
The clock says h=4 m=36 s=11
